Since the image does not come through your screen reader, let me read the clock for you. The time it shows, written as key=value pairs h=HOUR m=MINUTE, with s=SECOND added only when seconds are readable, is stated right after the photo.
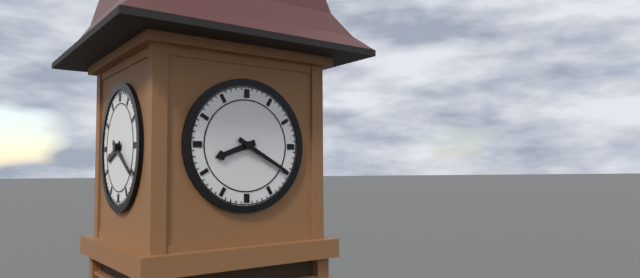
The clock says h=8 m=20
